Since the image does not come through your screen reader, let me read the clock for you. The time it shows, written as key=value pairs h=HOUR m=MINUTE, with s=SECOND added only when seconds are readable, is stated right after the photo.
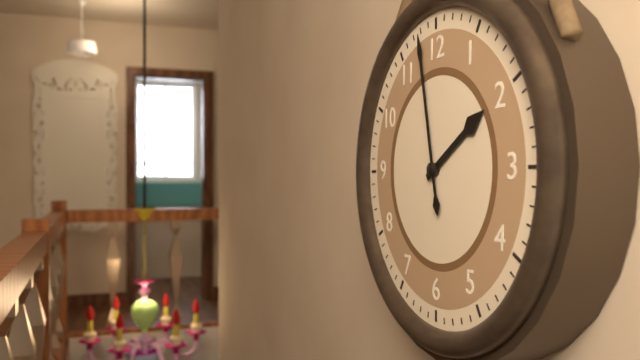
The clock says h=1 m=58
